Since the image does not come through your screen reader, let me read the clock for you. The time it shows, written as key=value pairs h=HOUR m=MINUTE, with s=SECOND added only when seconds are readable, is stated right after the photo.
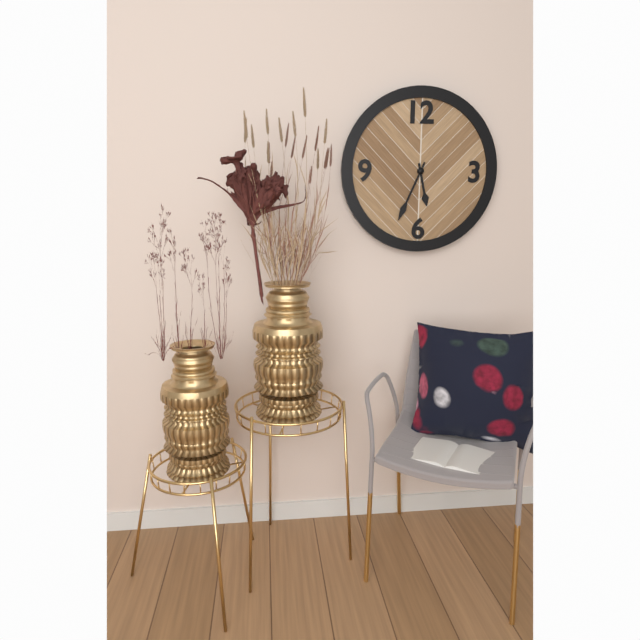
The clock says h=5 m=34
